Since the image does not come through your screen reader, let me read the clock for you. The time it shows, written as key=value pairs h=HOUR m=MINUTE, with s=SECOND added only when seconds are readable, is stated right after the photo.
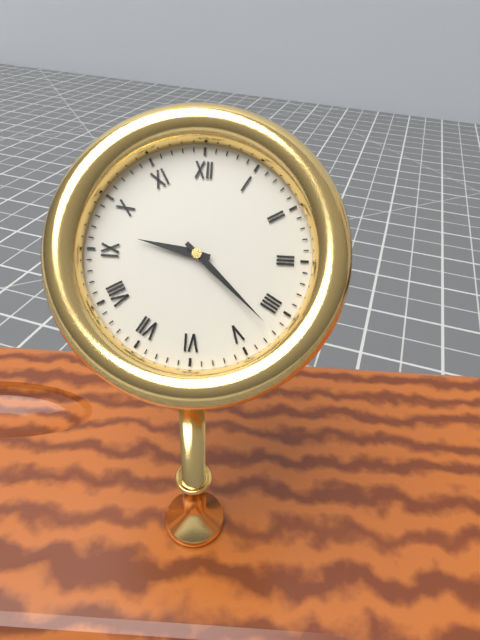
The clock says h=9 m=22
